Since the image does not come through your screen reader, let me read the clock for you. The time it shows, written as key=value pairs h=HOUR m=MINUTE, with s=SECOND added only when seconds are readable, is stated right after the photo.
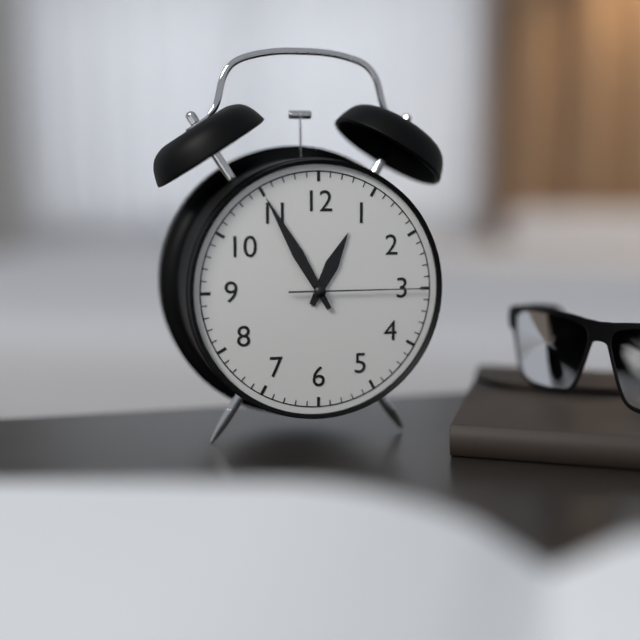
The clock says h=12 m=55 s=15
